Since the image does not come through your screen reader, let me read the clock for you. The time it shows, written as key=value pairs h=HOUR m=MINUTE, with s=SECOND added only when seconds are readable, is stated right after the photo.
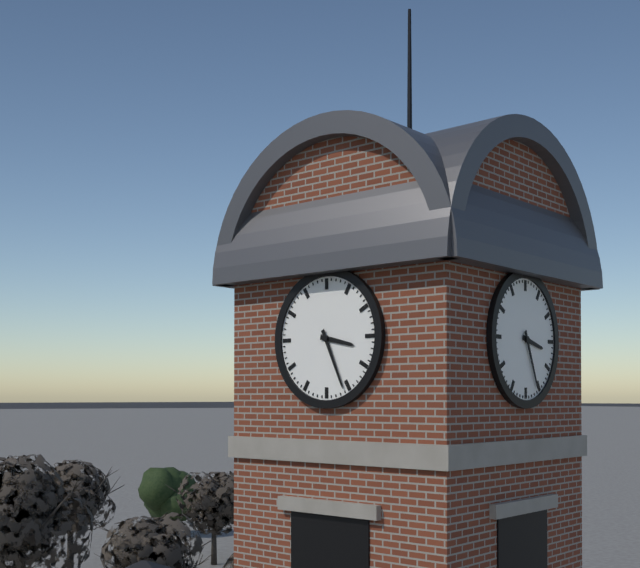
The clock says h=3 m=26
